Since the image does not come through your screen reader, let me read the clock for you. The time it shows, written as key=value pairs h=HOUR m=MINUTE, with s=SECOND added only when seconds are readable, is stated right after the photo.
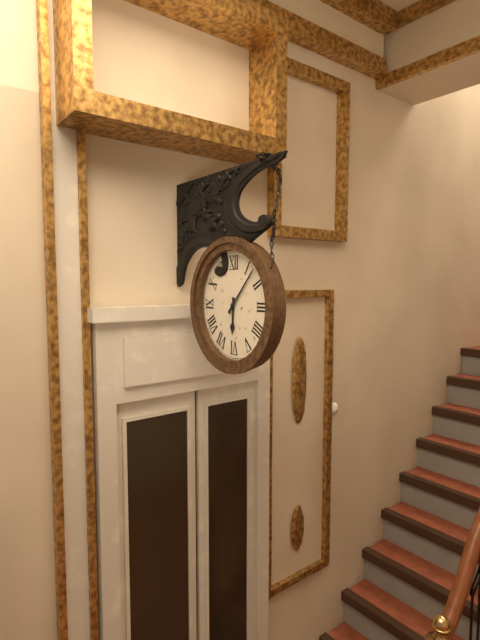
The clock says h=6 m=7
